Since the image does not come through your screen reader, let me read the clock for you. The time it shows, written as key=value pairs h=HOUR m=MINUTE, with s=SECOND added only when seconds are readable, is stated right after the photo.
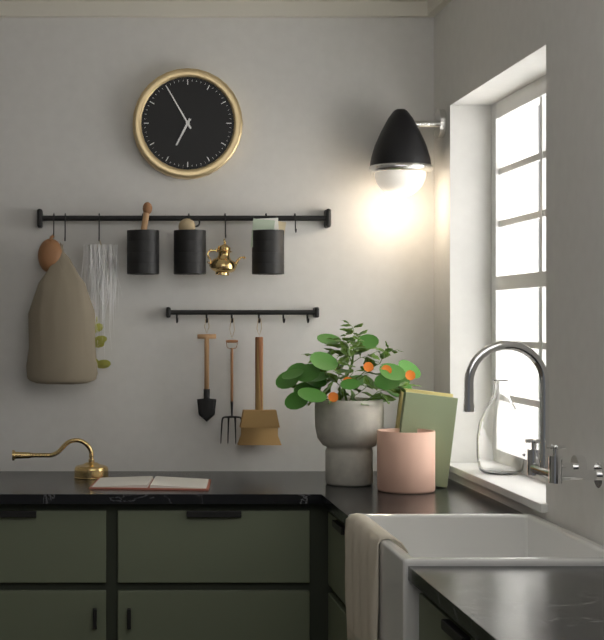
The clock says h=6 m=55
